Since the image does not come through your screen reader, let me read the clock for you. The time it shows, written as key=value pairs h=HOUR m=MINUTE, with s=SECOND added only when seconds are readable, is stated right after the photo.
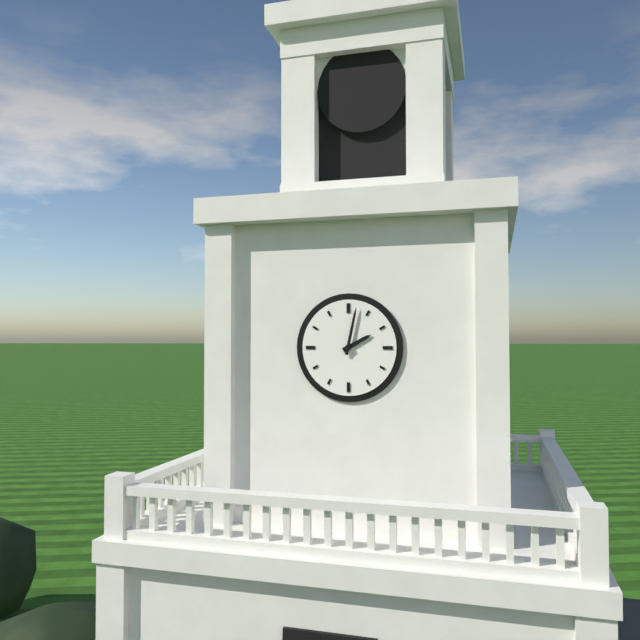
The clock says h=2 m=2
